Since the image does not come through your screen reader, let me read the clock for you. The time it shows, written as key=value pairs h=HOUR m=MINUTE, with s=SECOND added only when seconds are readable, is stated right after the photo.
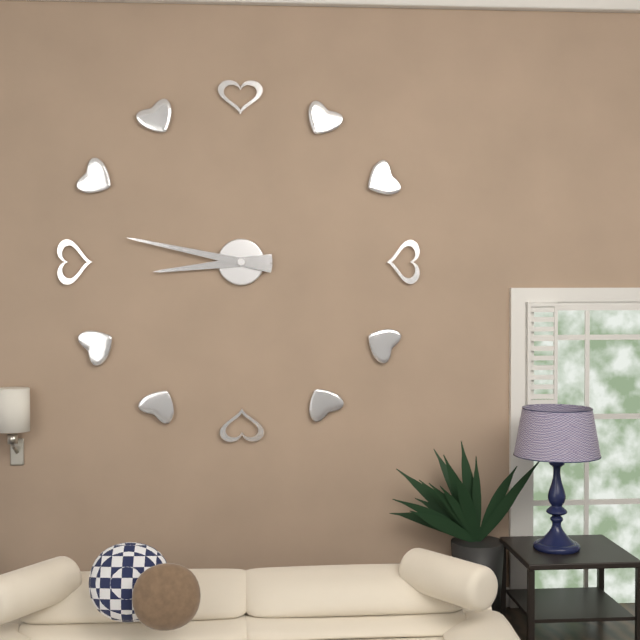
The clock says h=8 m=47
